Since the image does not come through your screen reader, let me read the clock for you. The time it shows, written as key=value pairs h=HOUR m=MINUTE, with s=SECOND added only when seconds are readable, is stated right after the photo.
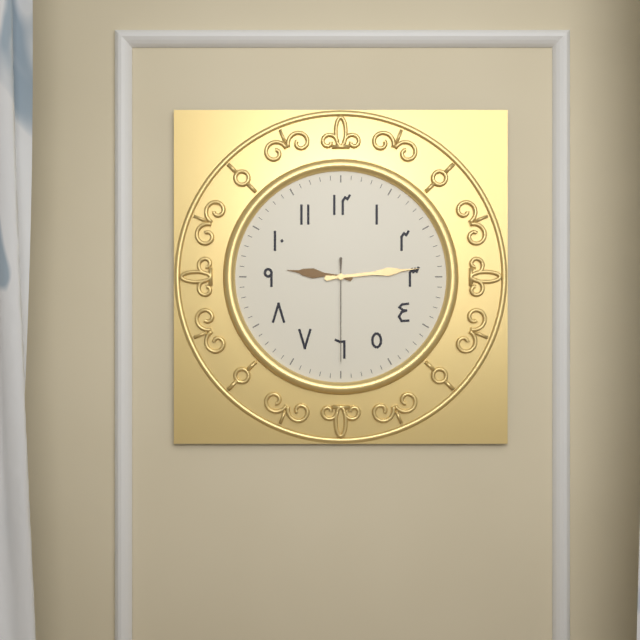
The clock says h=9 m=14 s=30
